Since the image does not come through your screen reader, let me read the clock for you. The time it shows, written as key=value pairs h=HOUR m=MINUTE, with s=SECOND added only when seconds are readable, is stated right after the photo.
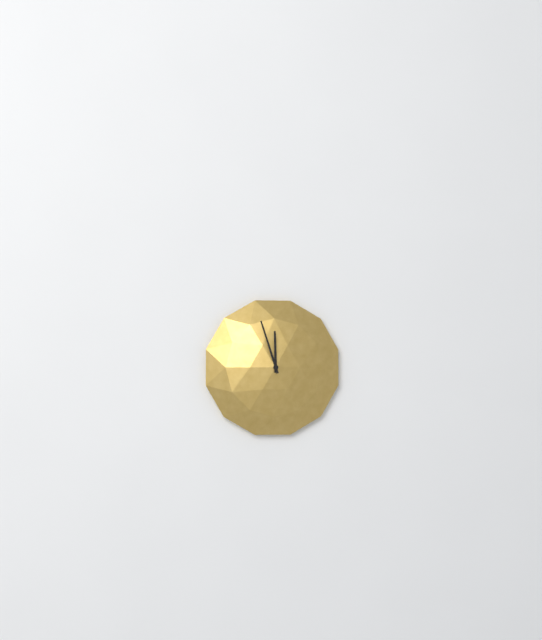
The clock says h=11 m=57
